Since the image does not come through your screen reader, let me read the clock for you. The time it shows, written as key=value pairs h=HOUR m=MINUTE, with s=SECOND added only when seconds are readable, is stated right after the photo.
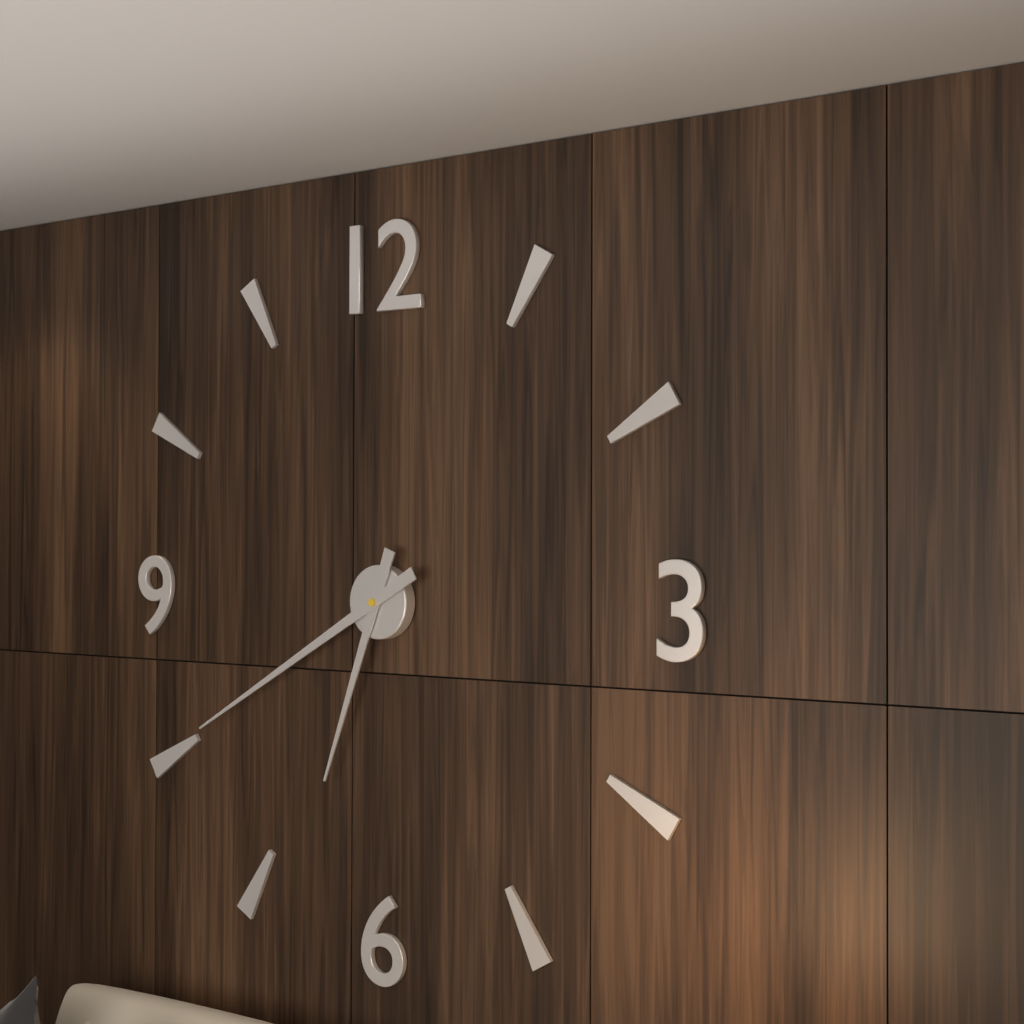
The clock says h=6 m=40
